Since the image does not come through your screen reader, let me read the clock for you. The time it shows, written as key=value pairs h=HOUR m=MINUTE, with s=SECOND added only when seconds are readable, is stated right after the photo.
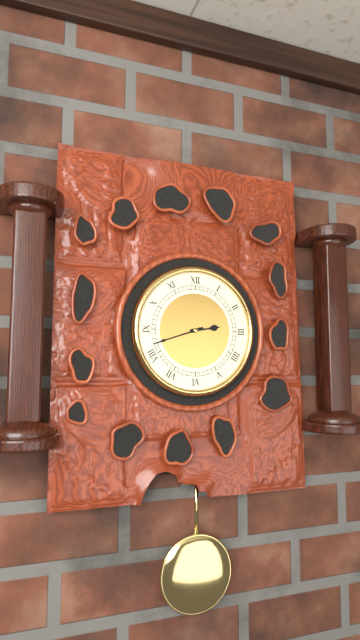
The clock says h=2 m=42
